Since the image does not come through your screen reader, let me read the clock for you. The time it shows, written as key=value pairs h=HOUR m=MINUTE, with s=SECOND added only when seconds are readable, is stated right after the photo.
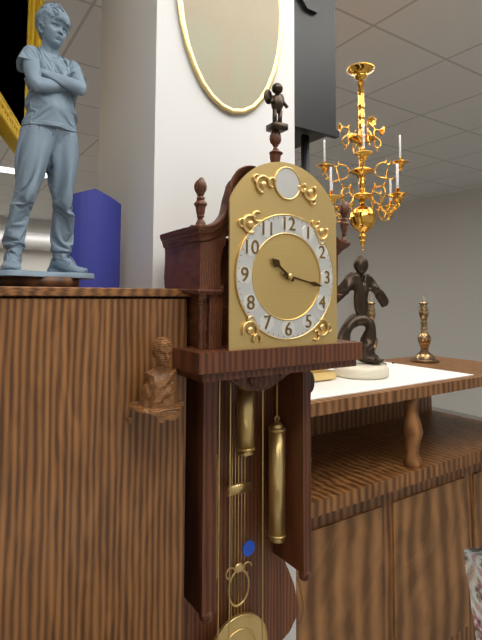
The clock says h=10 m=17
